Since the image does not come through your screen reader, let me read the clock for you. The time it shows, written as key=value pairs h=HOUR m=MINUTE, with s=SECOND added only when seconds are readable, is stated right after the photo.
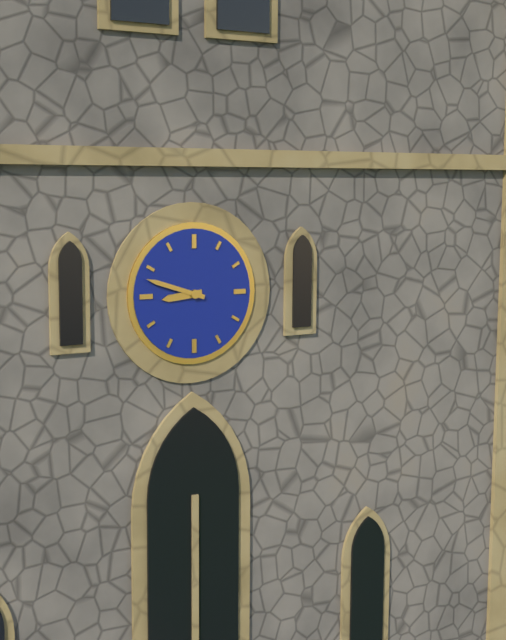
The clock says h=8 m=48
